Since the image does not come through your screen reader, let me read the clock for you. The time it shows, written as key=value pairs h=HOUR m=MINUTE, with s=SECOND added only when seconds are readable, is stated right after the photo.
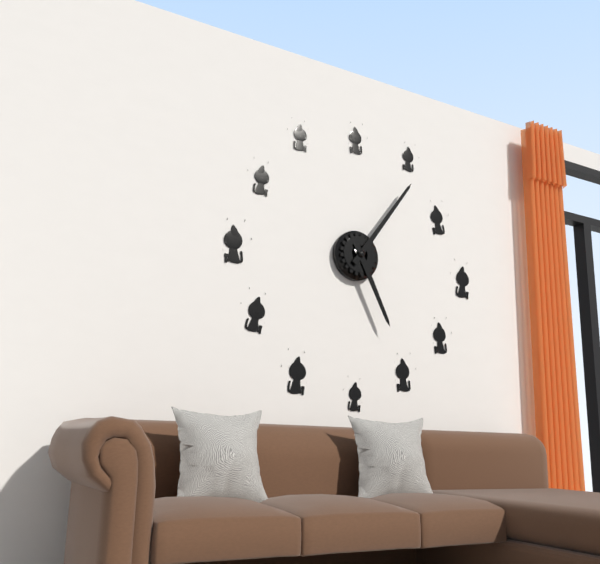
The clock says h=5 m=6
